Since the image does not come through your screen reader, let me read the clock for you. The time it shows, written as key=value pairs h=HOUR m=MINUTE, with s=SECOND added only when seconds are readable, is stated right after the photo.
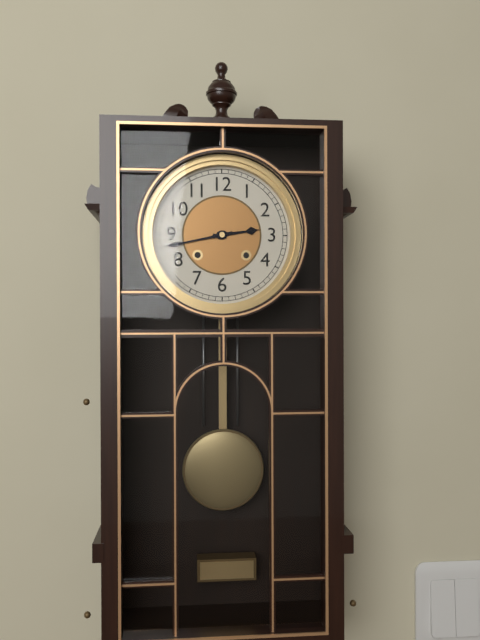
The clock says h=2 m=43
